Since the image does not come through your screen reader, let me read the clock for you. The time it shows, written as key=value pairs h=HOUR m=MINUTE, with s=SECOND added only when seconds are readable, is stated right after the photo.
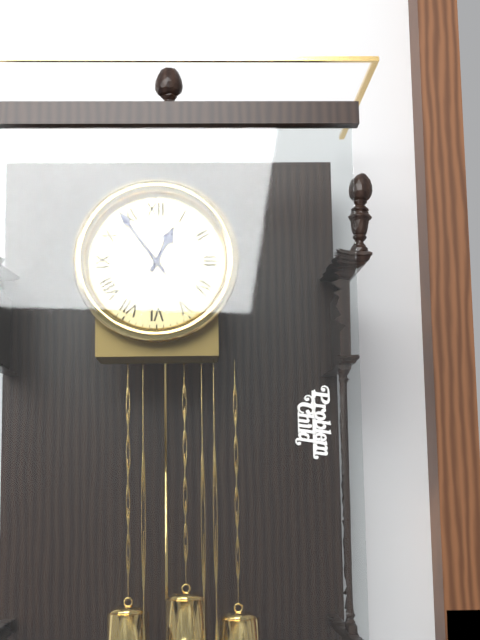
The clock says h=12 m=54
